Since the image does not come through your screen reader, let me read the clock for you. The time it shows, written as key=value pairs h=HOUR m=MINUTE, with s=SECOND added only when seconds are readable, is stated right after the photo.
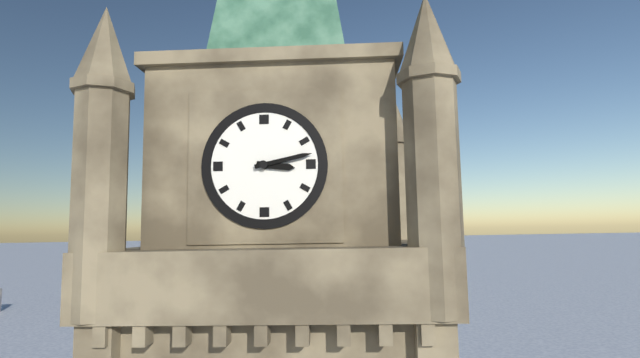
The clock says h=3 m=13
